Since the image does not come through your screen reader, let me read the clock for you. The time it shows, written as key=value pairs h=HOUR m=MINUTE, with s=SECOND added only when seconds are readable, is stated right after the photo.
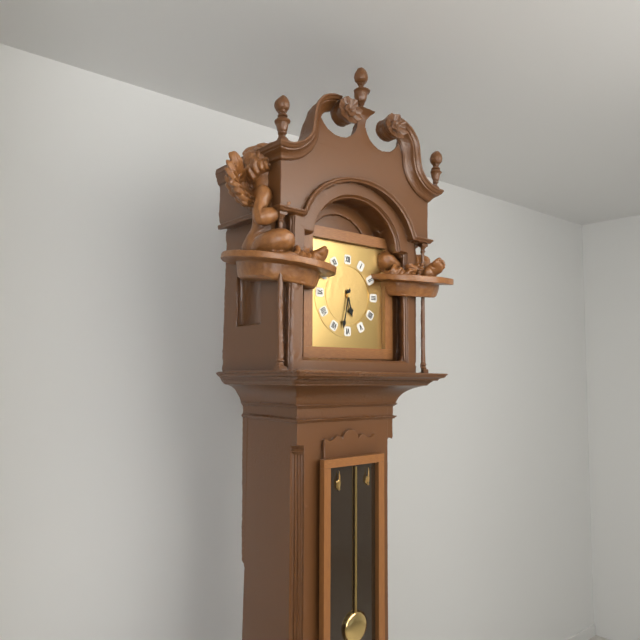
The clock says h=5 m=32
